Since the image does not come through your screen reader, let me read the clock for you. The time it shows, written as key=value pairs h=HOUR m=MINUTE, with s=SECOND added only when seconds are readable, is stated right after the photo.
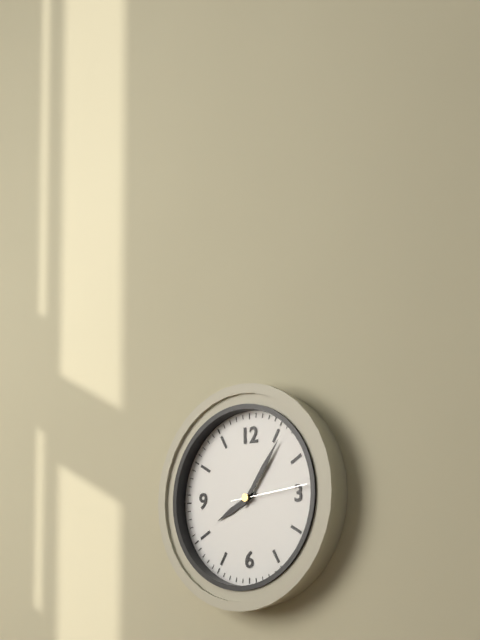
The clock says h=8 m=6 s=14
